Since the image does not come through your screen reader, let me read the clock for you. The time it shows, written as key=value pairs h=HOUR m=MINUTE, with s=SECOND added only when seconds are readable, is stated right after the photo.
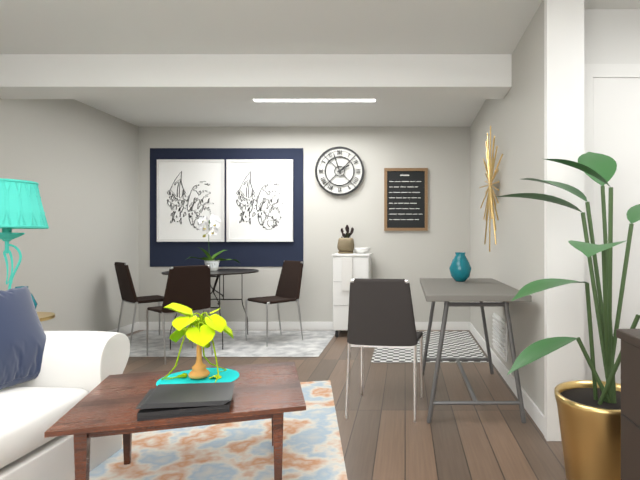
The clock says h=1 m=57
